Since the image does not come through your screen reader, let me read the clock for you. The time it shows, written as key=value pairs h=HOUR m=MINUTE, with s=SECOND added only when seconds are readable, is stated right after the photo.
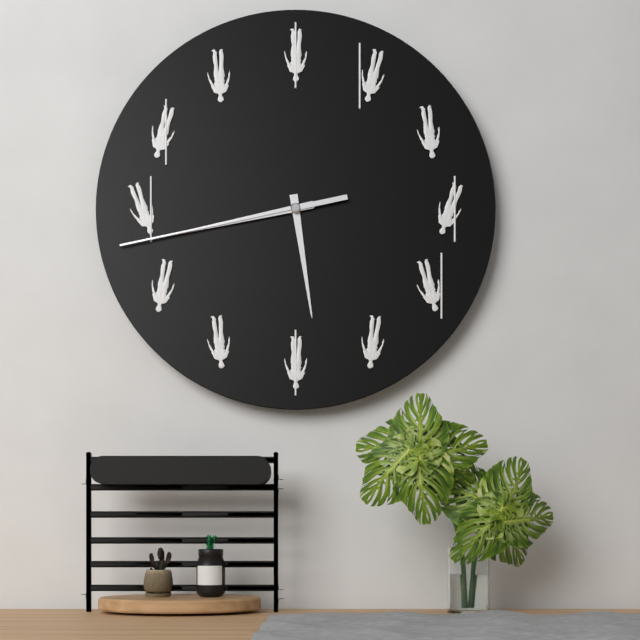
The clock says h=5 m=43 s=43
